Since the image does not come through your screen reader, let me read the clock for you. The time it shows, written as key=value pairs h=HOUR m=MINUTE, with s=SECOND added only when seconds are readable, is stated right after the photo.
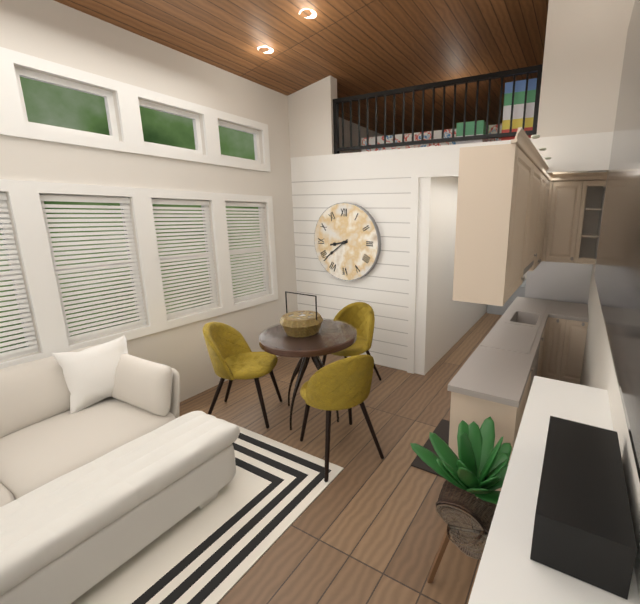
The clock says h=8 m=39
